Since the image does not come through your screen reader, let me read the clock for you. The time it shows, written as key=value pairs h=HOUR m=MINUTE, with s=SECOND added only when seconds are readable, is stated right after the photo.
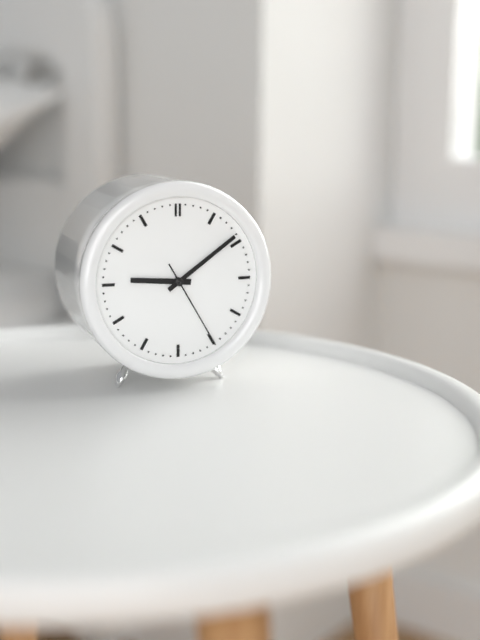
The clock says h=9 m=9 s=25
